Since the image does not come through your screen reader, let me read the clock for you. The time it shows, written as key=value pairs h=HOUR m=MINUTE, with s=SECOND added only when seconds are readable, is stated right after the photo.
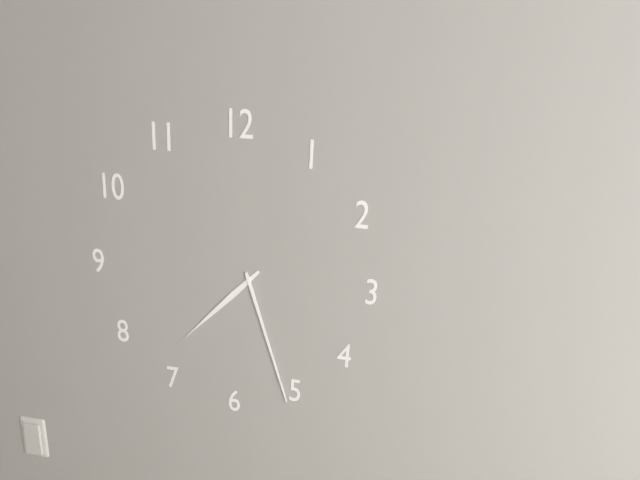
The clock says h=7 m=27
